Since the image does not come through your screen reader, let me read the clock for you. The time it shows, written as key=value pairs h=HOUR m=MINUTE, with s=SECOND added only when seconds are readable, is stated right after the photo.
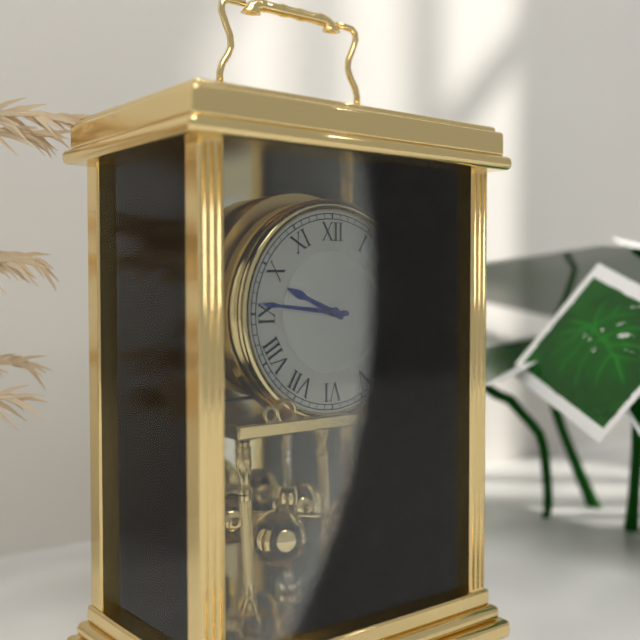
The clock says h=9 m=46
